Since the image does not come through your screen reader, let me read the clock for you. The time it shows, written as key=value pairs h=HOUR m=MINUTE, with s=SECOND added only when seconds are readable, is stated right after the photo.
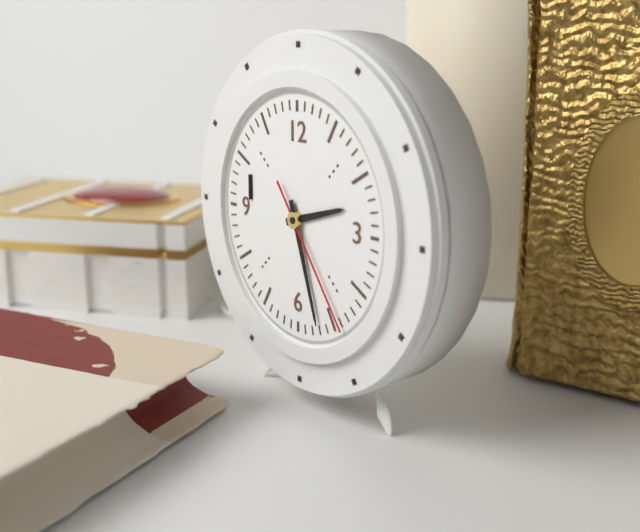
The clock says h=2 m=27 s=24
